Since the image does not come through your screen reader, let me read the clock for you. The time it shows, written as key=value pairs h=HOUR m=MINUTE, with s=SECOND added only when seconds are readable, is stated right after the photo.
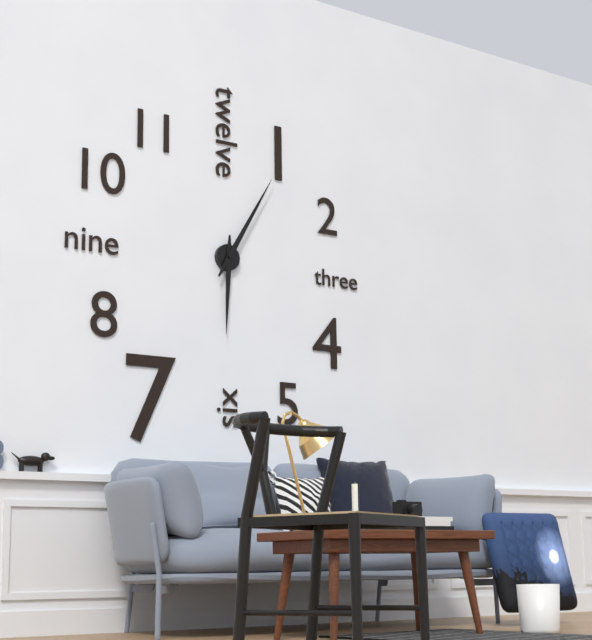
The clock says h=6 m=5
